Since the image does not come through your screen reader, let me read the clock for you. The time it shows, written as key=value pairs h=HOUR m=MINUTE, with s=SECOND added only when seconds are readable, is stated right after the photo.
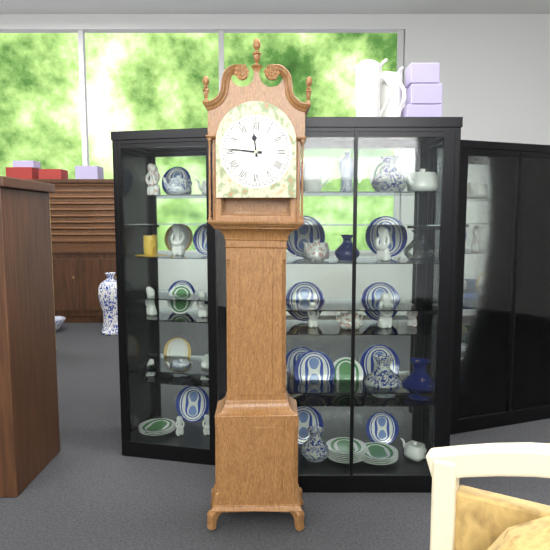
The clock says h=11 m=46
